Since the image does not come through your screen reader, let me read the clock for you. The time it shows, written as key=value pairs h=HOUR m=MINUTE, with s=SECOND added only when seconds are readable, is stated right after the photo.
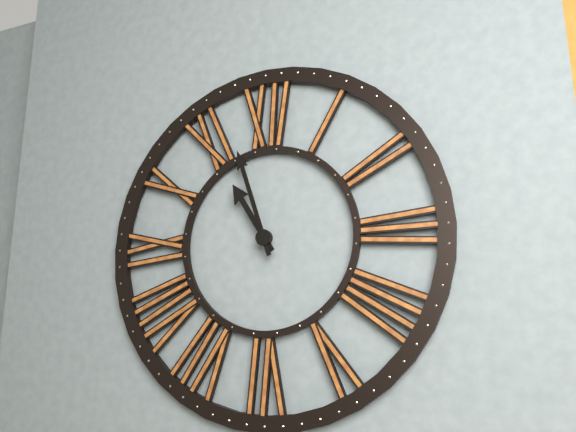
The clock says h=10 m=57
